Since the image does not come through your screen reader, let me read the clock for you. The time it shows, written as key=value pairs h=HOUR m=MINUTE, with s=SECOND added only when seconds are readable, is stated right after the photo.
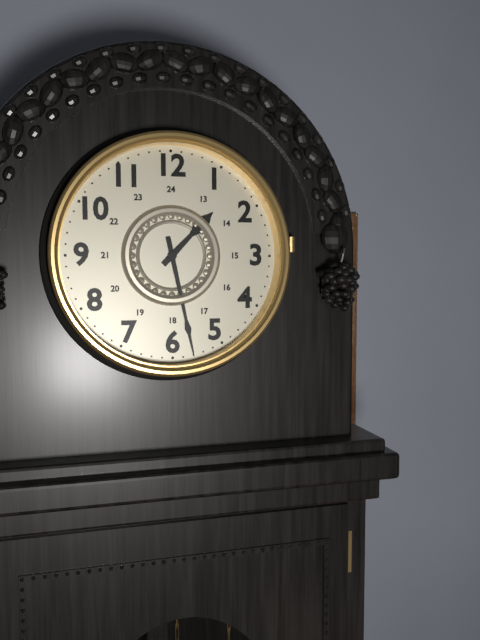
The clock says h=1 m=28
